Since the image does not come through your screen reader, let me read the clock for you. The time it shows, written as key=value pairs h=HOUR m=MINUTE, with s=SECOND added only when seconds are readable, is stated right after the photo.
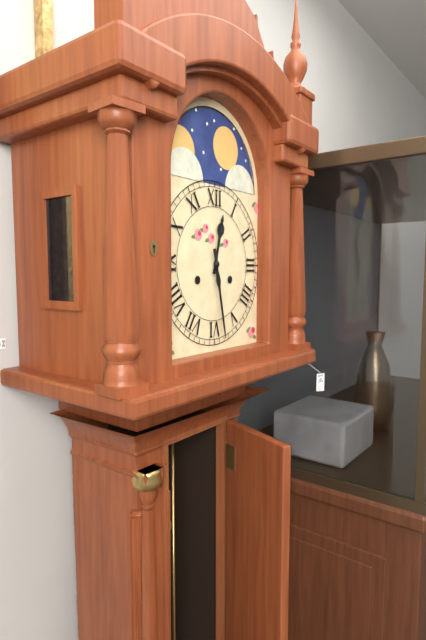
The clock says h=12 m=28
